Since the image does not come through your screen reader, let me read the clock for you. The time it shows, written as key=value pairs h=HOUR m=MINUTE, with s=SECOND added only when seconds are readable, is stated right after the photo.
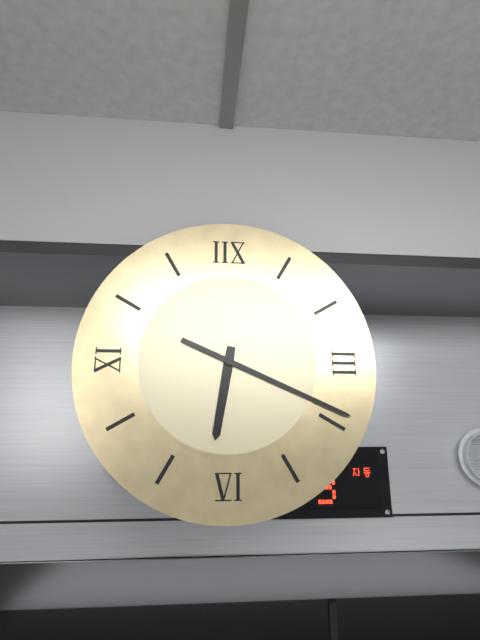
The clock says h=6 m=19
